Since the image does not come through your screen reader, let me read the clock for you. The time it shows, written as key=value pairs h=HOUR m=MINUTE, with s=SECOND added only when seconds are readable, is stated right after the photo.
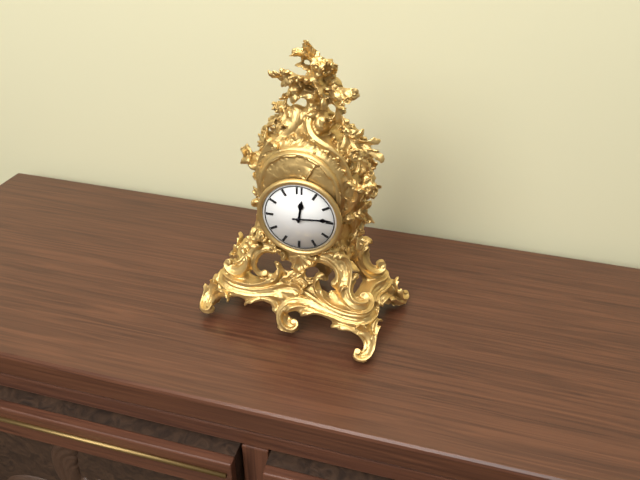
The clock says h=12 m=14
